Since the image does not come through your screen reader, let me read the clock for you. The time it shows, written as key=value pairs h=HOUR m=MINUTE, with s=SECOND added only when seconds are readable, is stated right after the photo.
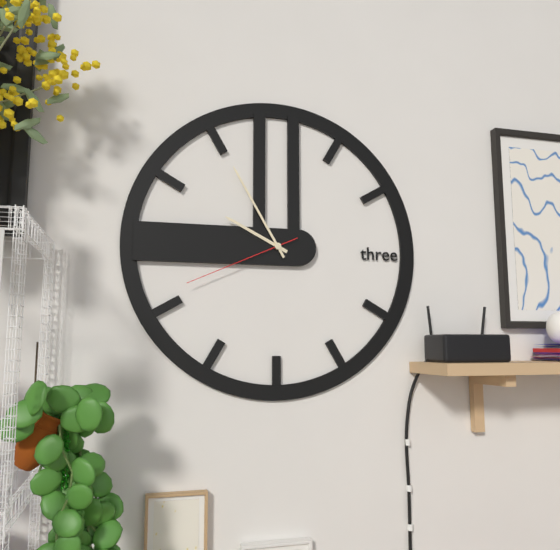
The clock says h=9 m=55 s=41
